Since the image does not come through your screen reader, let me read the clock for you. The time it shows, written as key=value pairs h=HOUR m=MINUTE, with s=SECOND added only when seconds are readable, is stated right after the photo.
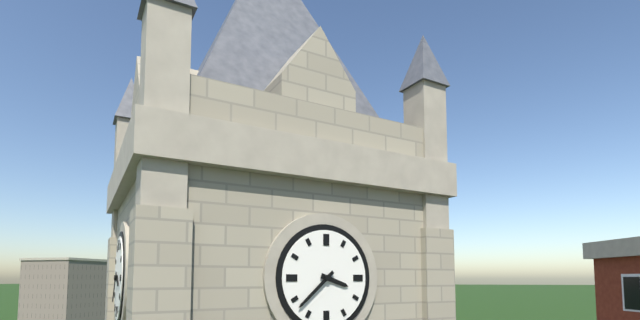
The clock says h=3 m=38
